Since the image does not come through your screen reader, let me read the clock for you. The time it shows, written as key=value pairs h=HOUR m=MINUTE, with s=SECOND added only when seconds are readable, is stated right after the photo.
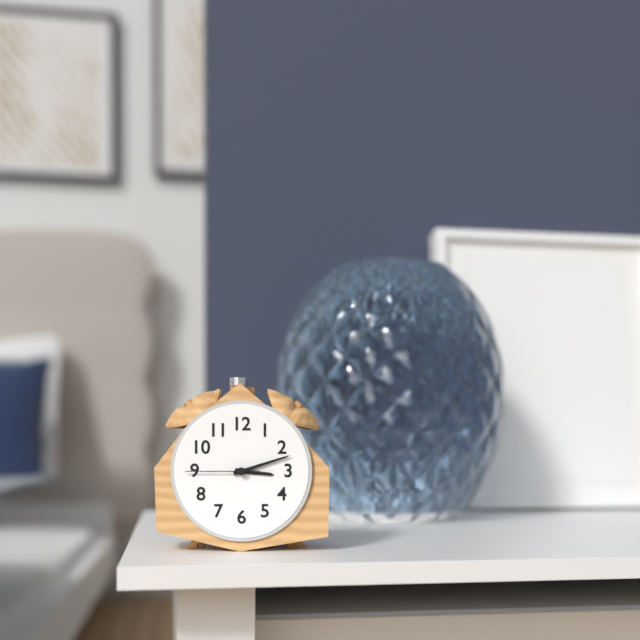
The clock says h=3 m=12 s=45
